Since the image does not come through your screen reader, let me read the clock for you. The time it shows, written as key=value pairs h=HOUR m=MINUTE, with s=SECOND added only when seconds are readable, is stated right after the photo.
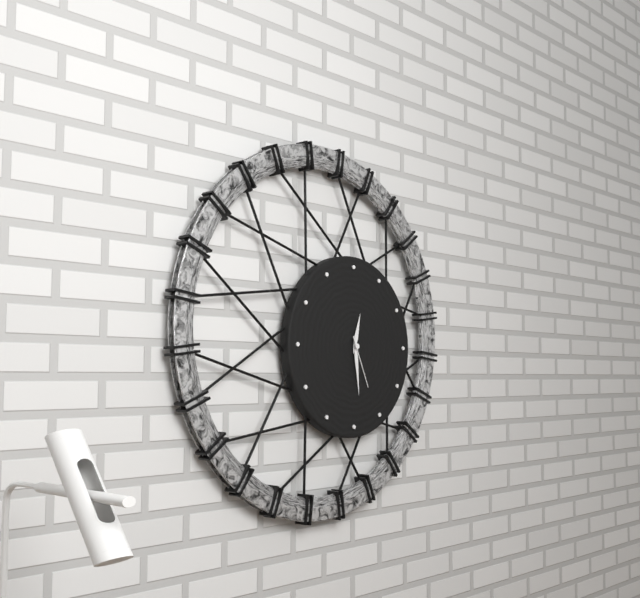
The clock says h=12 m=29 s=26
